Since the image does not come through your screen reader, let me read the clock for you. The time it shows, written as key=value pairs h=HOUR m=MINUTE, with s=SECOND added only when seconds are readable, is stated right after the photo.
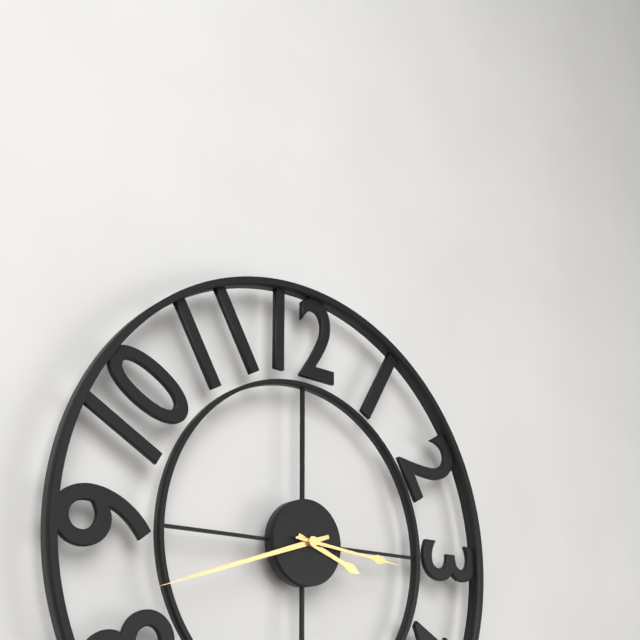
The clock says h=3 m=42 s=16
